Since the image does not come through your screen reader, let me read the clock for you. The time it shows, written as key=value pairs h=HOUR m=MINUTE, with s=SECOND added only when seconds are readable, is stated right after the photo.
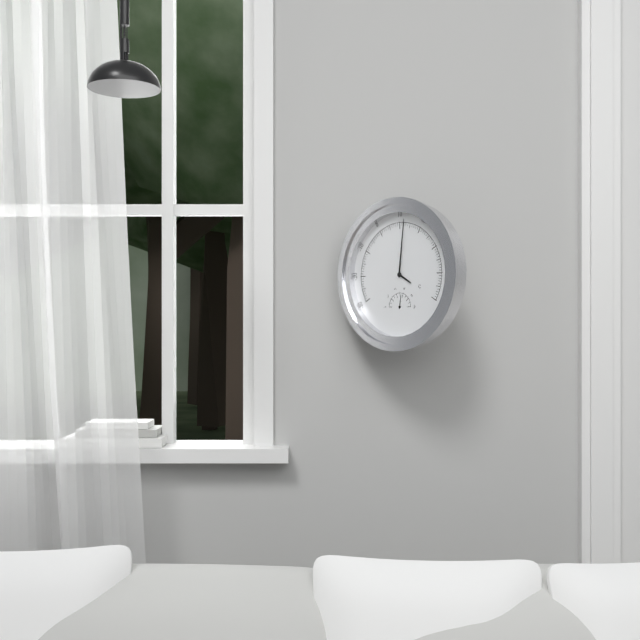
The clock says h=4 m=1
